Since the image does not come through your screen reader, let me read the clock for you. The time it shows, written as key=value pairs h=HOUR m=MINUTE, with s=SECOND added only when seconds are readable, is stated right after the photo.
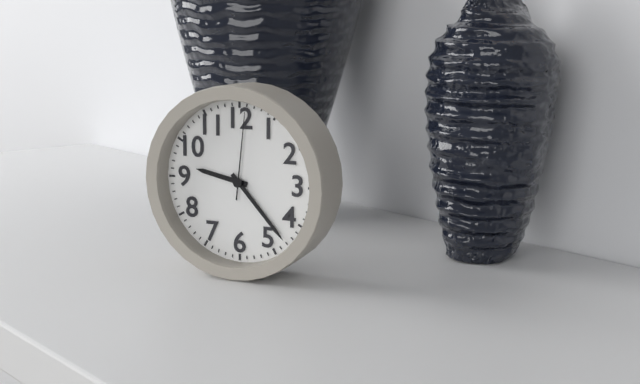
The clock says h=9 m=23 s=1
